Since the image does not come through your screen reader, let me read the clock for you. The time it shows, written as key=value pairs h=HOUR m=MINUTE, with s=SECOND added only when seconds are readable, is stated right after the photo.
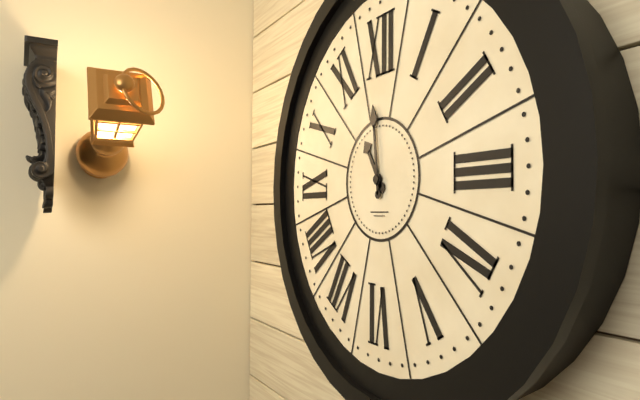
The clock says h=10 m=59
